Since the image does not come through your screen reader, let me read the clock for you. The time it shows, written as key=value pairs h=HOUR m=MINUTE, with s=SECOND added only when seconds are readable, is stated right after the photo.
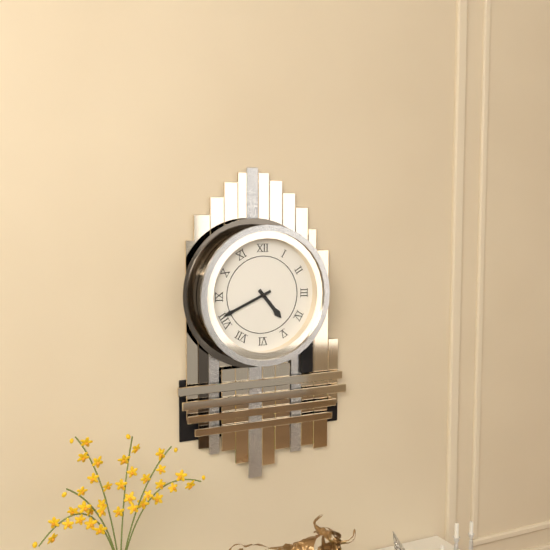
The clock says h=4 m=41
